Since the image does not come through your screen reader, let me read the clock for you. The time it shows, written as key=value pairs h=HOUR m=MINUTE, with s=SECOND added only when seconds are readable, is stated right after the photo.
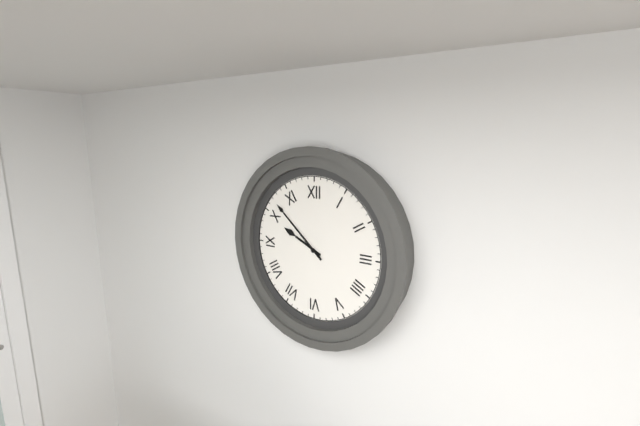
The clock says h=9 m=52
